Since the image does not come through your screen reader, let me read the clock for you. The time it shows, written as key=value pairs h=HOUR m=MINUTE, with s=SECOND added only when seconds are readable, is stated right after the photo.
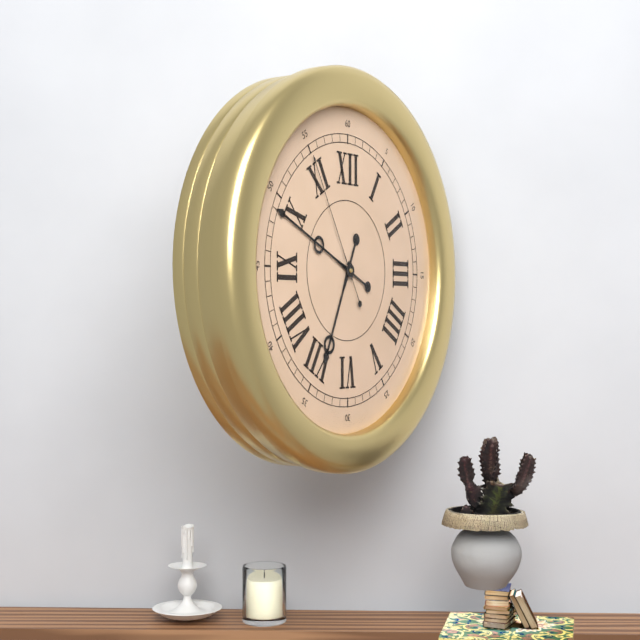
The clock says h=6 m=49 s=55
